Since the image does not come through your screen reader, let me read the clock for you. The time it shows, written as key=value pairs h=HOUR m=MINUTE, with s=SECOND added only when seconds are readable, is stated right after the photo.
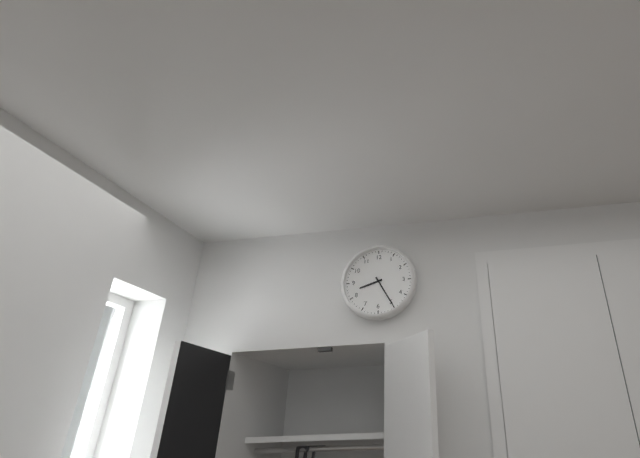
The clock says h=8 m=25
